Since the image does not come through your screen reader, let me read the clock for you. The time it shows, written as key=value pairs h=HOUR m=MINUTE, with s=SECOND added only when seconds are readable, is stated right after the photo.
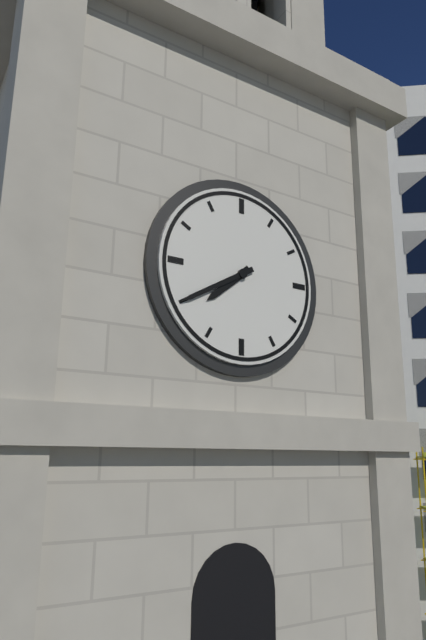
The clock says h=7 m=40
